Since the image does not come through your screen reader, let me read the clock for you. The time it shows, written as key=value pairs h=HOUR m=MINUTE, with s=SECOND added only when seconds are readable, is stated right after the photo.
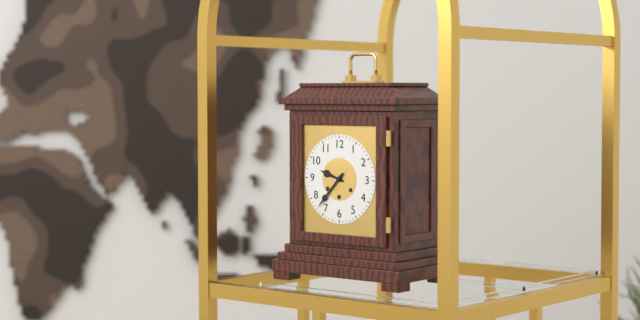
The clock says h=9 m=37
